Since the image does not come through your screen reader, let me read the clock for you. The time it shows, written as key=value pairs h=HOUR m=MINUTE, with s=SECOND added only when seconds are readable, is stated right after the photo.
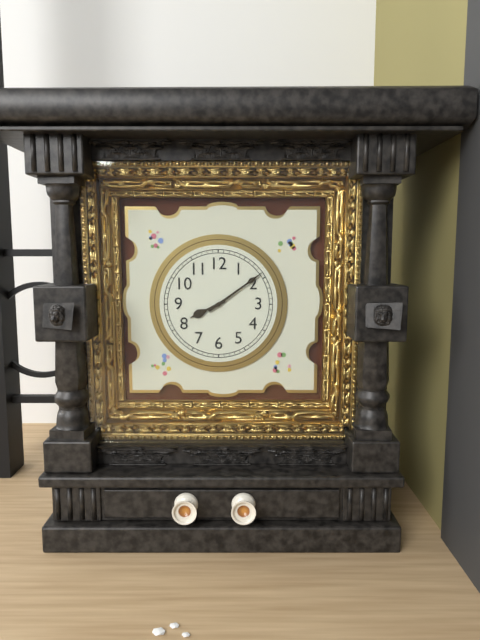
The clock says h=8 m=9
